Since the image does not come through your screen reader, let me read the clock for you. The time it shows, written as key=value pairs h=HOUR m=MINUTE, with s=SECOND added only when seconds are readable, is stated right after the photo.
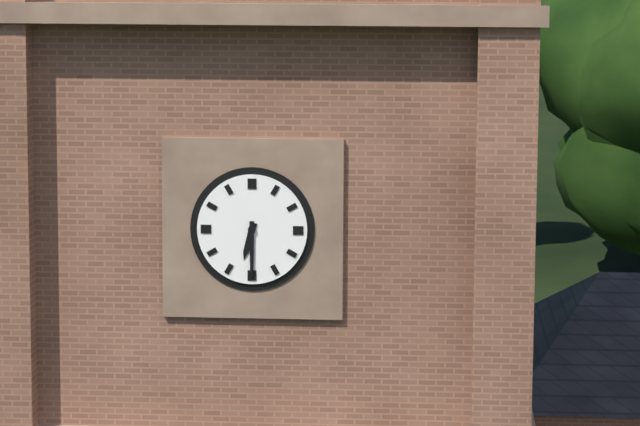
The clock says h=6 m=30
